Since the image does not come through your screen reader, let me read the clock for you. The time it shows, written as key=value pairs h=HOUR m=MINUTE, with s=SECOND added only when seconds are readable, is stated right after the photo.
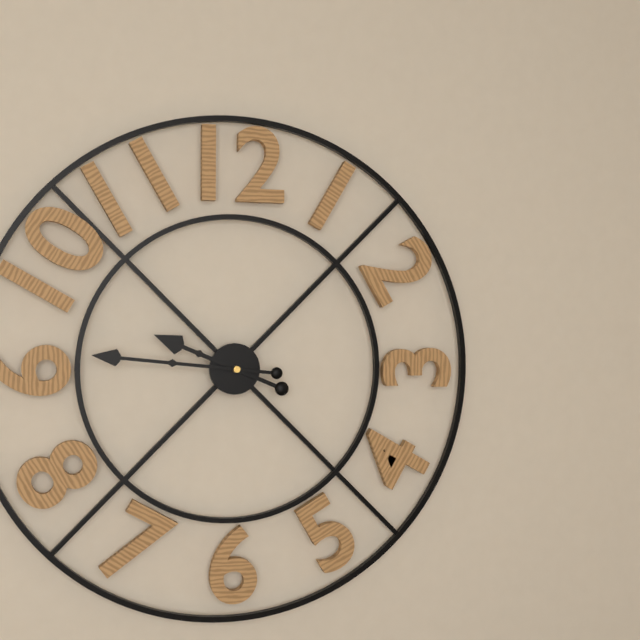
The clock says h=9 m=46
